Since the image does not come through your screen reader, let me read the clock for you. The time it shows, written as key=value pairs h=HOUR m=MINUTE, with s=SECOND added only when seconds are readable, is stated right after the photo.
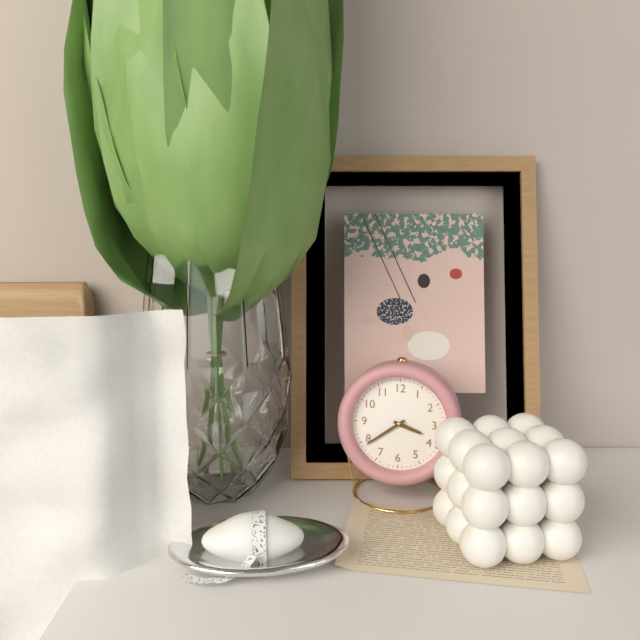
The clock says h=3 m=39
